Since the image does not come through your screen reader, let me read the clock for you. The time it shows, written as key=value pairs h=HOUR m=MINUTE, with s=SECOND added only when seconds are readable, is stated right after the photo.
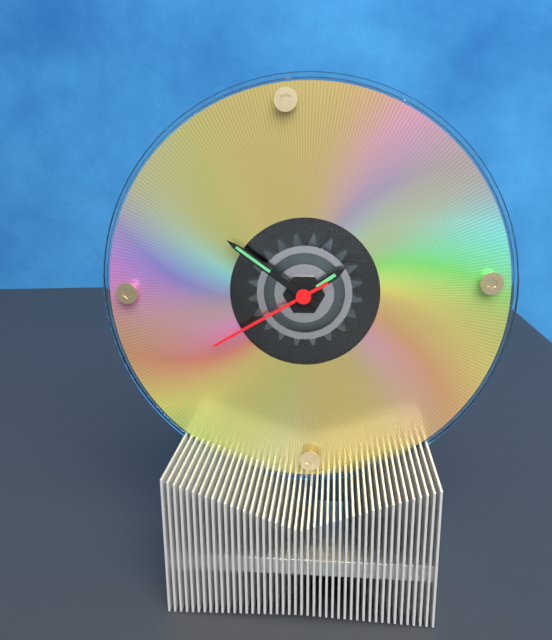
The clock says h=1 m=51 s=40
